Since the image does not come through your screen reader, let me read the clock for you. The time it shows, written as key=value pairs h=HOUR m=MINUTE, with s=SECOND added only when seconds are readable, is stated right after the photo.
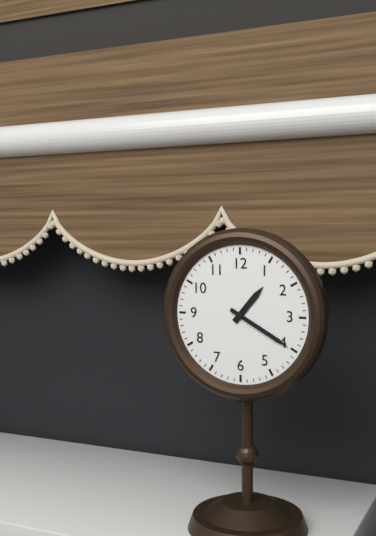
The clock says h=1 m=20
